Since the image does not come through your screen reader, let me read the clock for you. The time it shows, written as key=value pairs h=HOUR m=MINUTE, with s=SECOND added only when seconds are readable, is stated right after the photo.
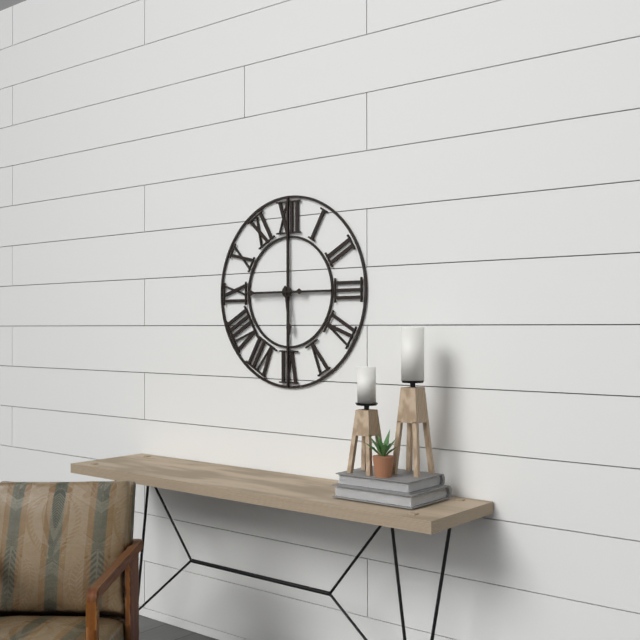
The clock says h=5 m=45
